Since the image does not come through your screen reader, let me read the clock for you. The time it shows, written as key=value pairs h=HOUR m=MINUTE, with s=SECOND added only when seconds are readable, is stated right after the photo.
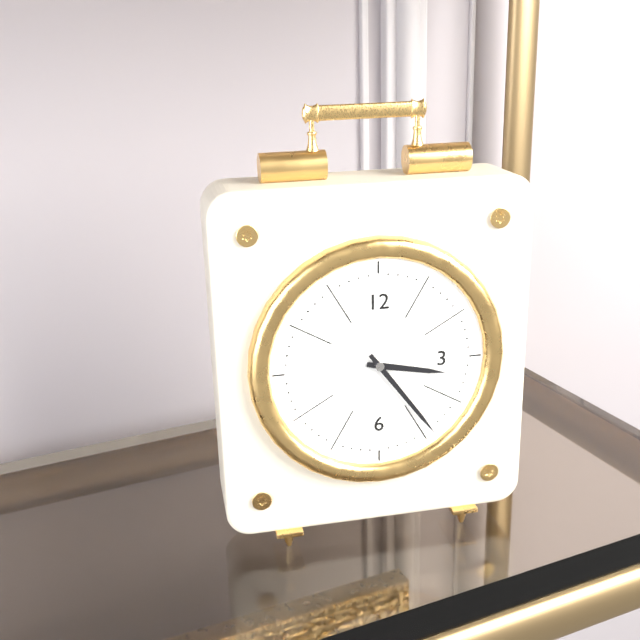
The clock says h=3 m=24
